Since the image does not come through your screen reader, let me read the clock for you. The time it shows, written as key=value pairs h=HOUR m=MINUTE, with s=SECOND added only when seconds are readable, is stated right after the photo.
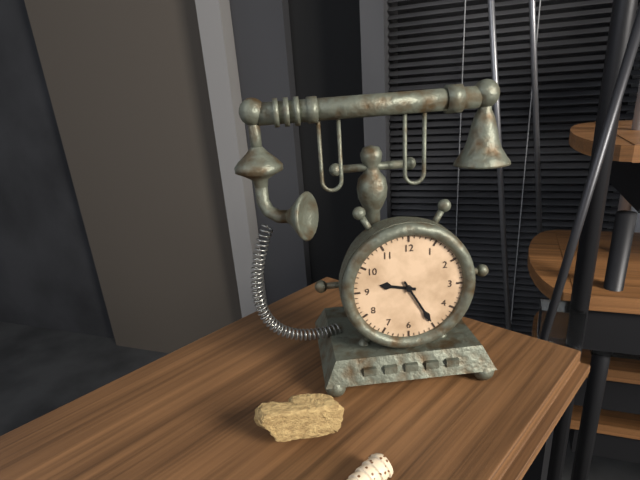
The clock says h=9 m=25
